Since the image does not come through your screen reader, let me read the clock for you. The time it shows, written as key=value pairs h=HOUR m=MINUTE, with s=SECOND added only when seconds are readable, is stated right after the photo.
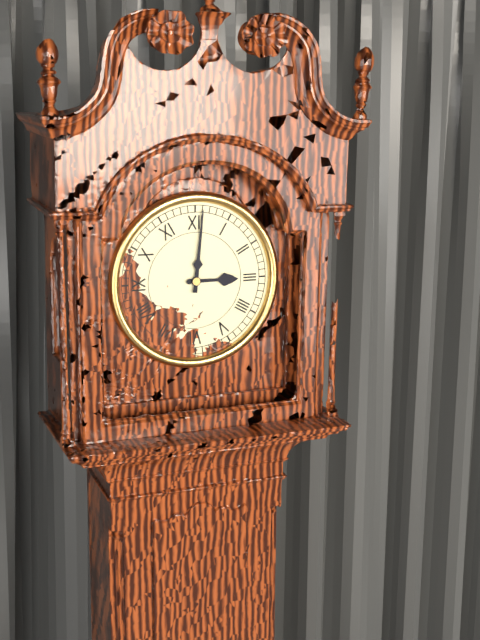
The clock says h=3 m=1
